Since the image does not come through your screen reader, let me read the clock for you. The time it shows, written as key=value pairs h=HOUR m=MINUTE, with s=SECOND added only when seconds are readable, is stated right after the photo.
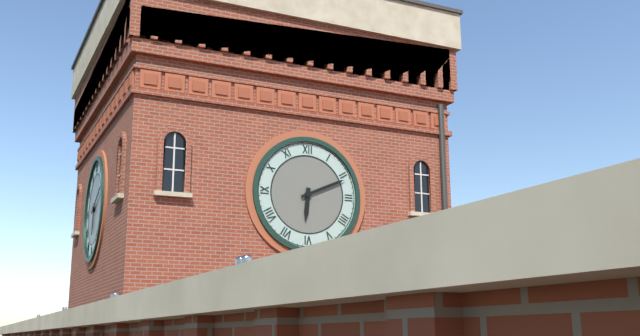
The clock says h=6 m=11
